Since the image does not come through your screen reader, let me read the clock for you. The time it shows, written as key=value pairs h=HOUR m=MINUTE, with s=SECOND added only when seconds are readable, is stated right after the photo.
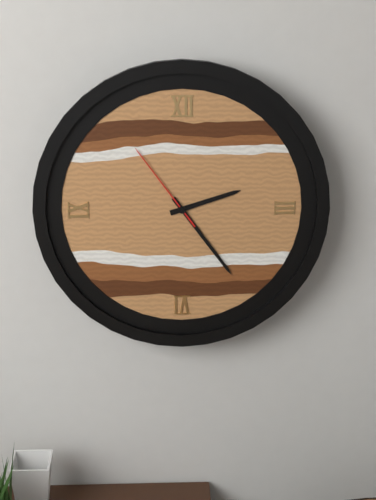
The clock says h=2 m=24 s=54
